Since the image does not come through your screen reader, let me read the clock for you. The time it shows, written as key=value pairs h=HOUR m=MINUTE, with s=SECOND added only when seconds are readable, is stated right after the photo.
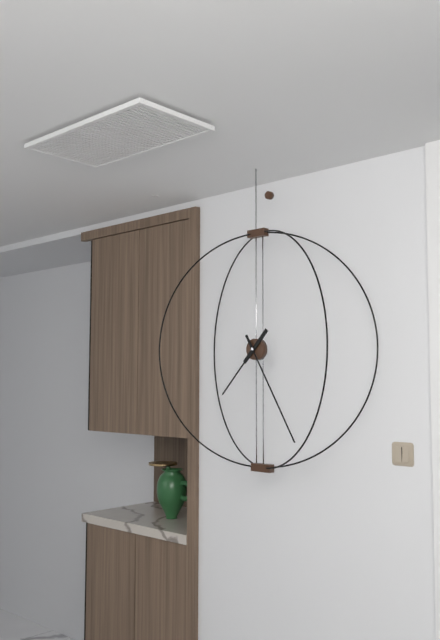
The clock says h=7 m=25
